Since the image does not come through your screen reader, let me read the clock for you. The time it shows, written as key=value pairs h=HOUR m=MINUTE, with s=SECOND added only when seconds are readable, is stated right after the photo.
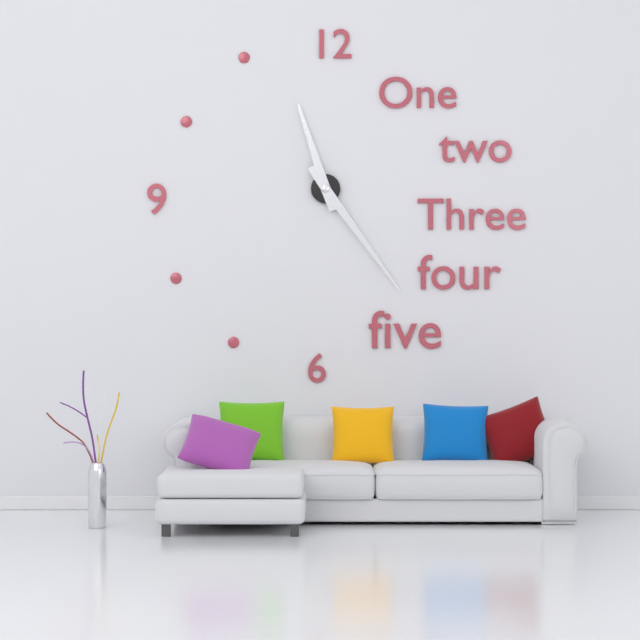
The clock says h=11 m=24
